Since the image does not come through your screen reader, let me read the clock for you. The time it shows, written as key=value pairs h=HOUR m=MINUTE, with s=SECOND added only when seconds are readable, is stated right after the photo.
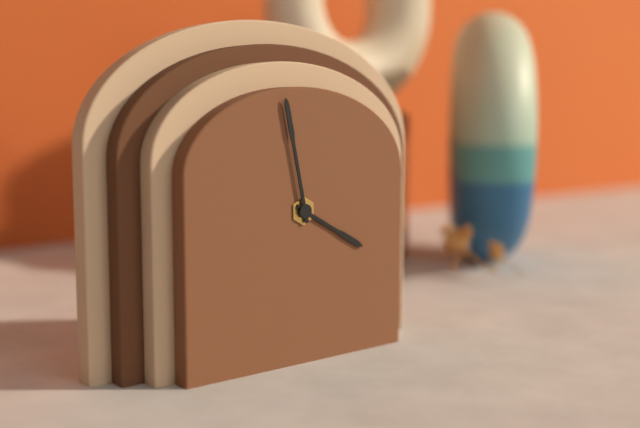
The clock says h=3 m=58
